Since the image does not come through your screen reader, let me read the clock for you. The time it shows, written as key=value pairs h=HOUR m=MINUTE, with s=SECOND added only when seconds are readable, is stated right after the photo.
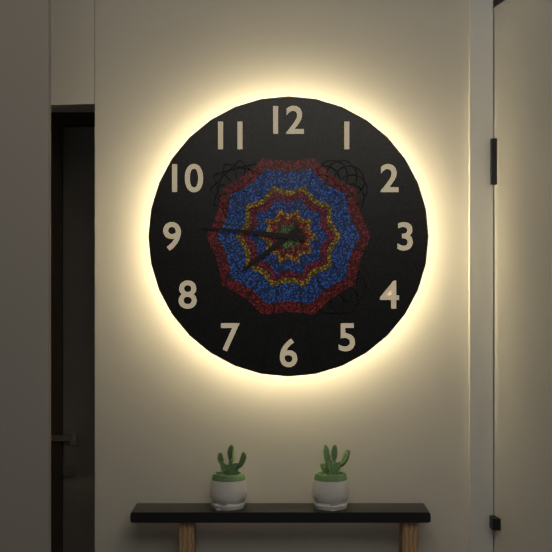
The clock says h=7 m=46
